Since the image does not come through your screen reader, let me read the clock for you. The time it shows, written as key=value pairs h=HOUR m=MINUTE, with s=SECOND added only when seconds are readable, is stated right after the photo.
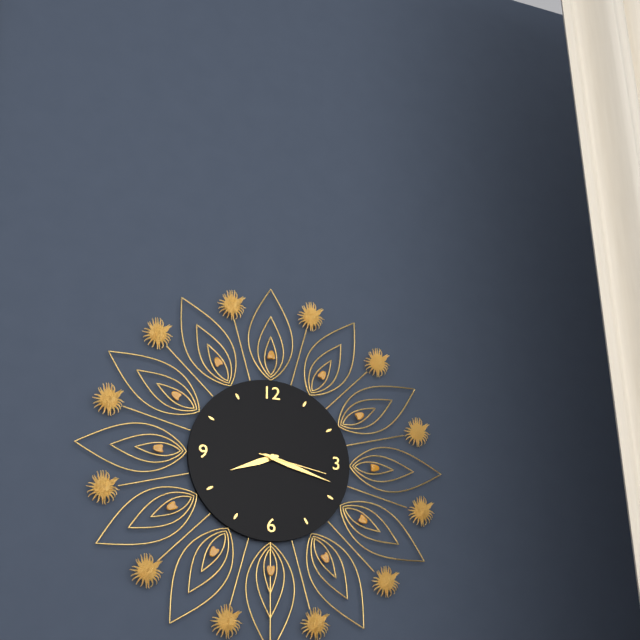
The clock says h=8 m=18 s=17
